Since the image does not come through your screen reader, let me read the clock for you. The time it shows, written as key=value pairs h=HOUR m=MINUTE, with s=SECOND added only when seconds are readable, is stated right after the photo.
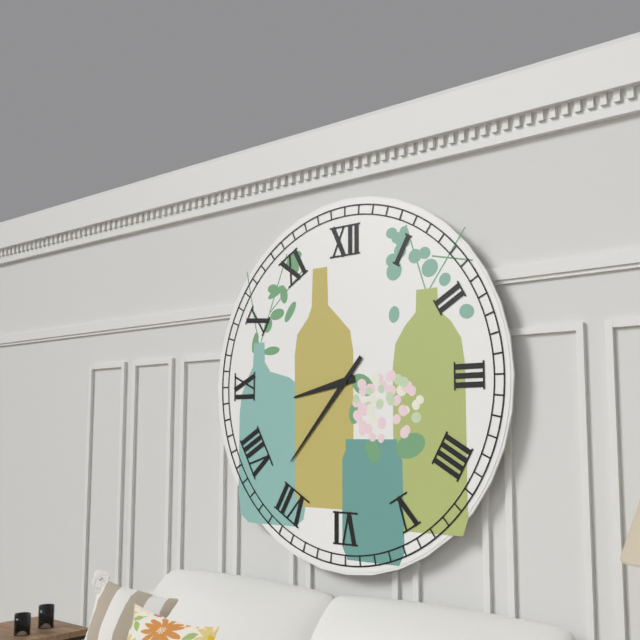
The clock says h=8 m=37
